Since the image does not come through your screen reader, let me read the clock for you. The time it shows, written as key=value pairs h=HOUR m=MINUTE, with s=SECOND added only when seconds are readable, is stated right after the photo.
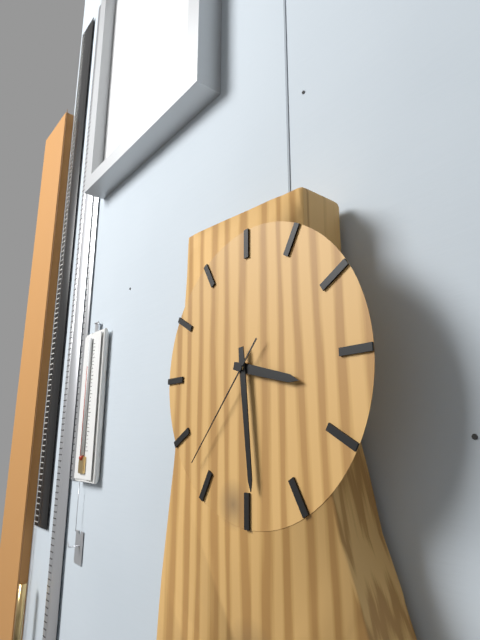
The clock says h=3 m=29 s=37
